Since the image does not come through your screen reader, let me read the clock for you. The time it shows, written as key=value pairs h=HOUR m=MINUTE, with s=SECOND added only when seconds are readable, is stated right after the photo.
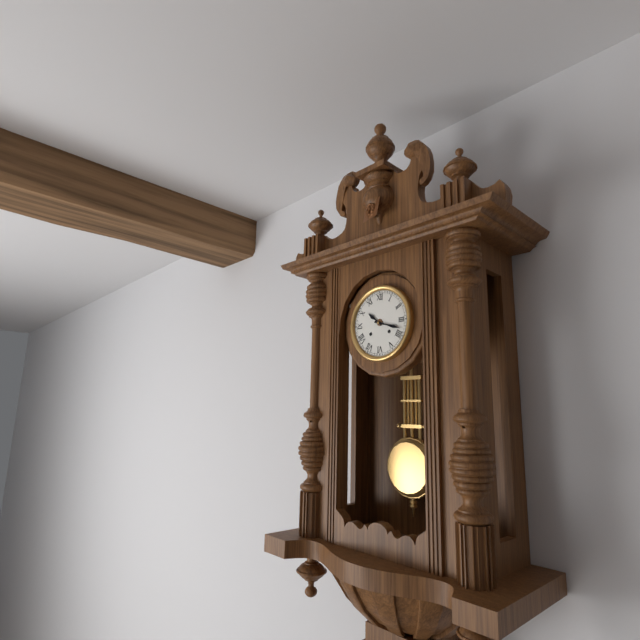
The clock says h=10 m=18
